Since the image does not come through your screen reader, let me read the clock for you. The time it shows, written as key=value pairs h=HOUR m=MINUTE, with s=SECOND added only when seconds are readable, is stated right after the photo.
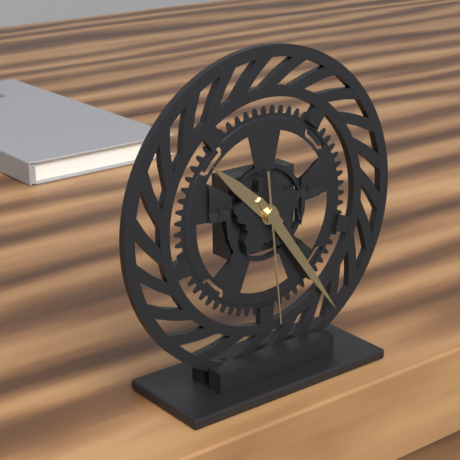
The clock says h=10 m=24 s=29
